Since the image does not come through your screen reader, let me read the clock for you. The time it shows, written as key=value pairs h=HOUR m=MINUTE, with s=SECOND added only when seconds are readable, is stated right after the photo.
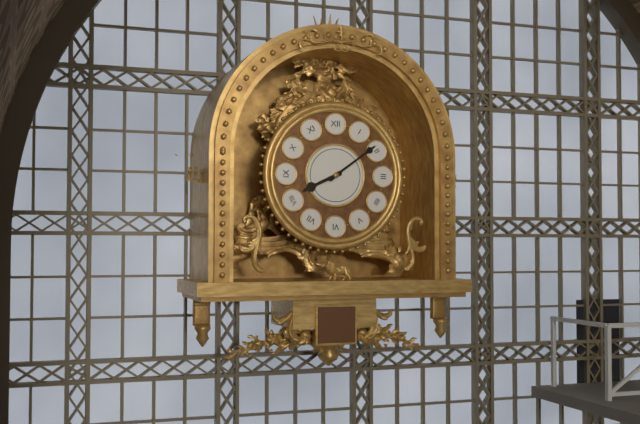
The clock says h=8 m=9
